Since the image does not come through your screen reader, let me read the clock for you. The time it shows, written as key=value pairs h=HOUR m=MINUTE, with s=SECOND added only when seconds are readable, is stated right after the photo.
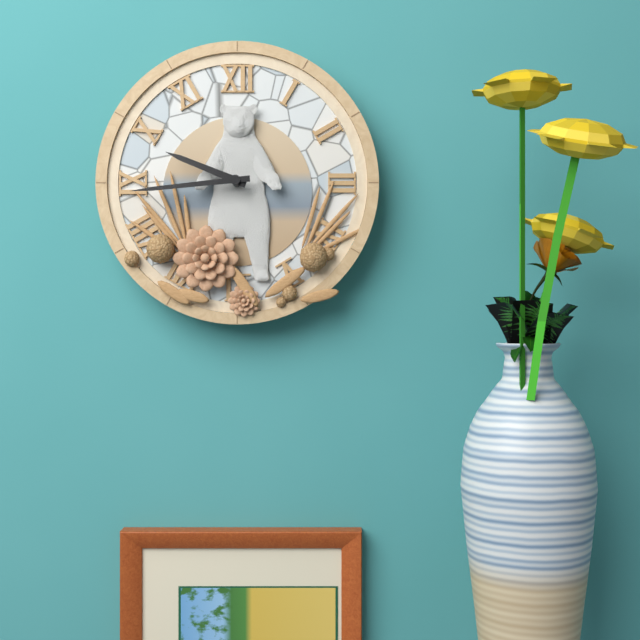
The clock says h=9 m=44
